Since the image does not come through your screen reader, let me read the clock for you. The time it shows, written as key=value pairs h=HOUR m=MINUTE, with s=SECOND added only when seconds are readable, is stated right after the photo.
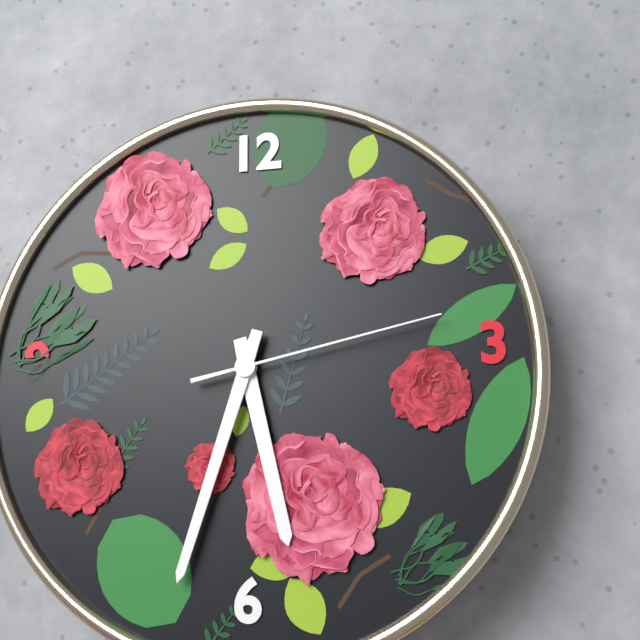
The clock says h=5 m=33 s=13
